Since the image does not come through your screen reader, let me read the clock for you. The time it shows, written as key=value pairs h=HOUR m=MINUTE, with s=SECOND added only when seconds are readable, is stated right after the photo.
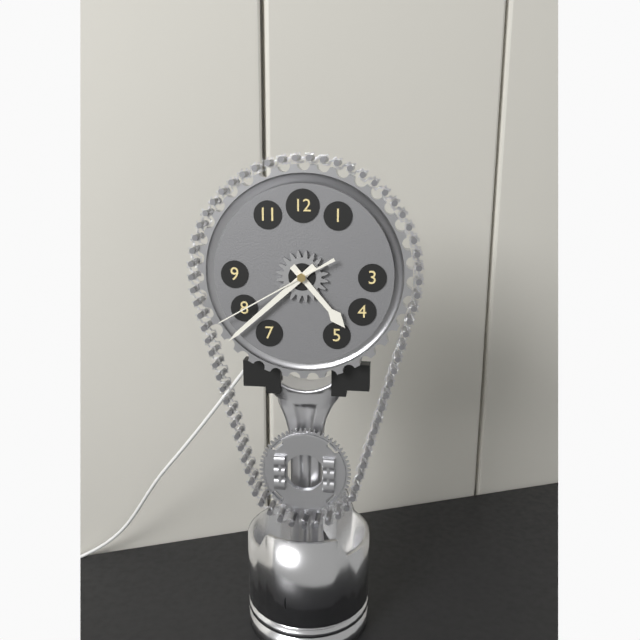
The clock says h=4 m=38 s=40
